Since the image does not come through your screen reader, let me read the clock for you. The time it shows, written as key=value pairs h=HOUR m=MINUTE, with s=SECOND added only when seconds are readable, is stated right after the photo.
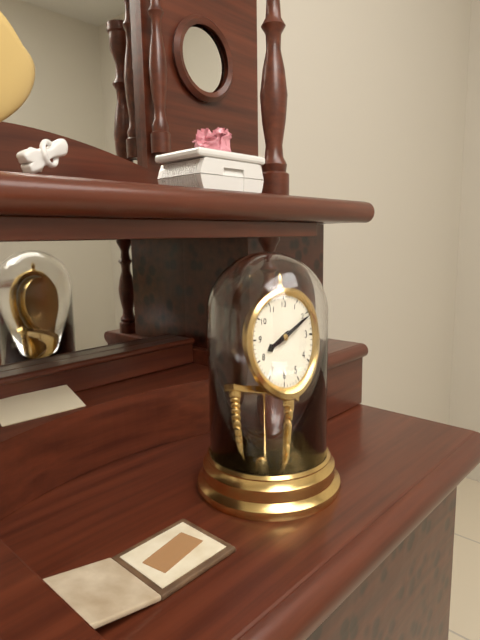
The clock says h=8 m=11
